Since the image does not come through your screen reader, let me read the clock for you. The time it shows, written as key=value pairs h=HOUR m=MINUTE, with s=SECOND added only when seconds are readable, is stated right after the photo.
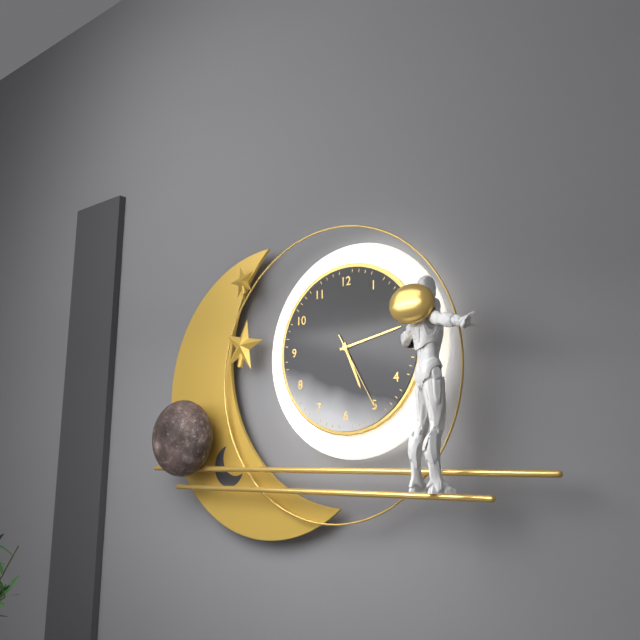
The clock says h=5 m=13 s=25
